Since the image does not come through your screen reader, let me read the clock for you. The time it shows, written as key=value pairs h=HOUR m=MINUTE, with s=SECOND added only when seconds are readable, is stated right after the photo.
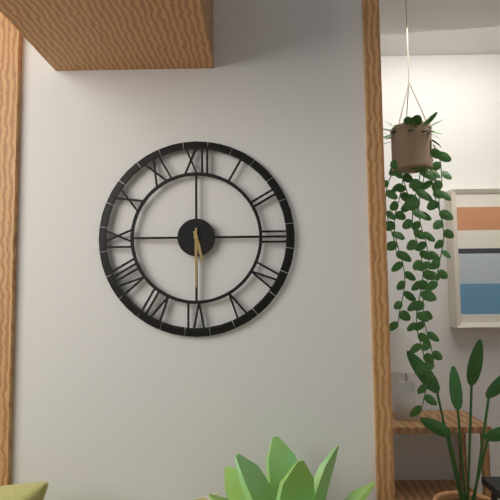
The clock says h=5 m=30
